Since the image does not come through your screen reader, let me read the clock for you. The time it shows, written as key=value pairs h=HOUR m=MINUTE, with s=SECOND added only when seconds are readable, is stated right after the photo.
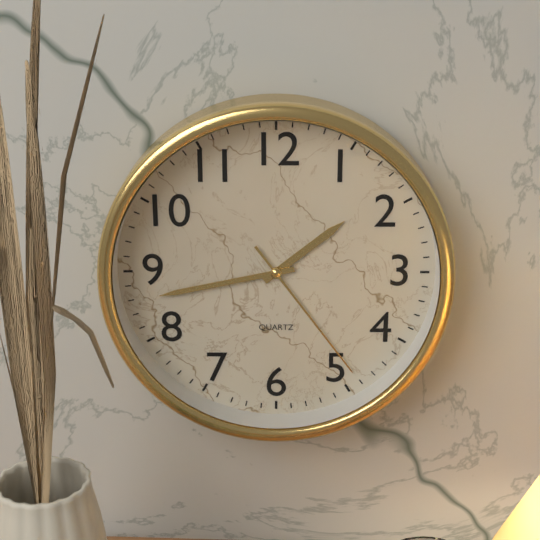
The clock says h=1 m=43 s=24
